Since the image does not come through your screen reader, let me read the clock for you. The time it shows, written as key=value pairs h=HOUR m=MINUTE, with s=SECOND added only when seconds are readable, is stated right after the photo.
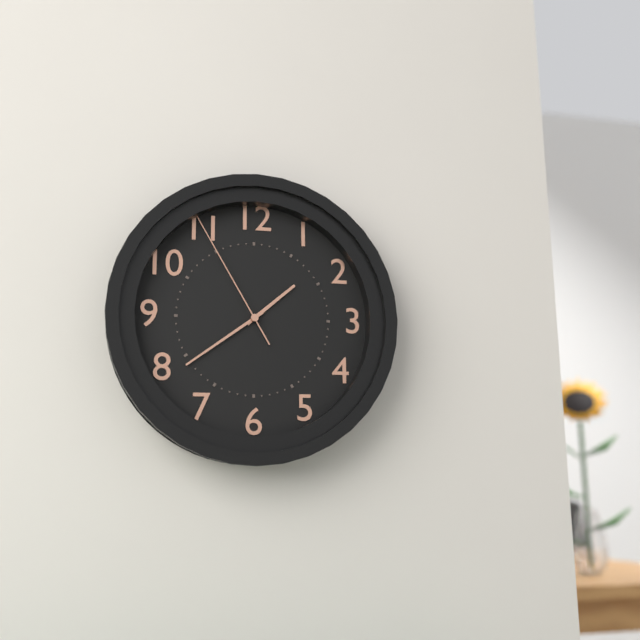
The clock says h=1 m=39 s=55
